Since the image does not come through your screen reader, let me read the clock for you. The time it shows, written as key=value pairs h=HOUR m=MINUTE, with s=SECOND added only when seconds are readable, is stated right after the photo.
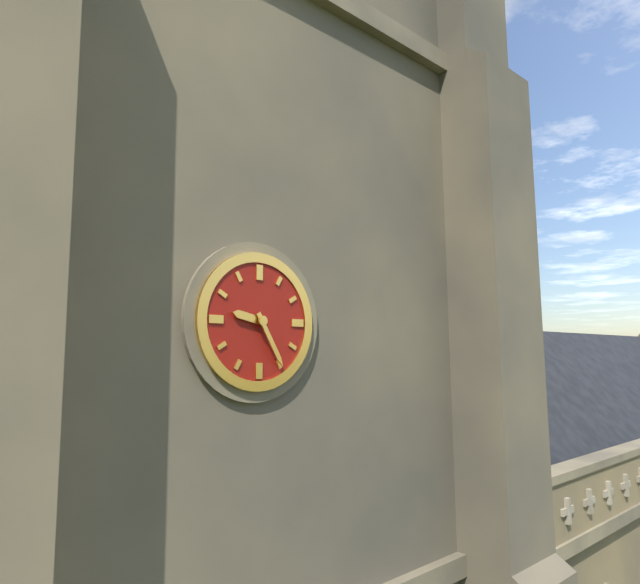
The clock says h=9 m=25
